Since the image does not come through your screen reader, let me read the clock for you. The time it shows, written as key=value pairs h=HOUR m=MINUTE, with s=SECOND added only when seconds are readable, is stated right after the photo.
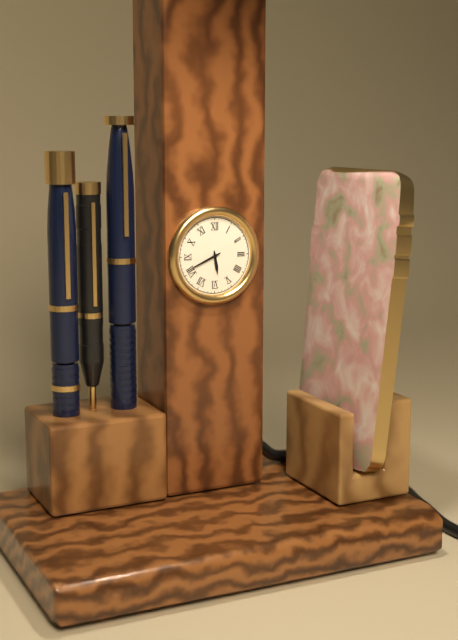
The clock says h=5 m=41
